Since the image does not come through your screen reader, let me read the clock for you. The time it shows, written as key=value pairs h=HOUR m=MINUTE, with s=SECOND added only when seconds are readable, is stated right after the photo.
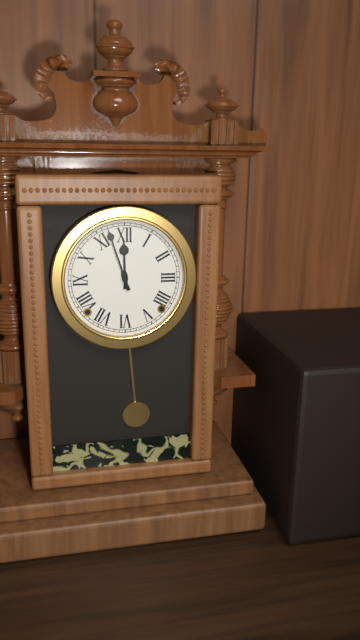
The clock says h=11 m=57
